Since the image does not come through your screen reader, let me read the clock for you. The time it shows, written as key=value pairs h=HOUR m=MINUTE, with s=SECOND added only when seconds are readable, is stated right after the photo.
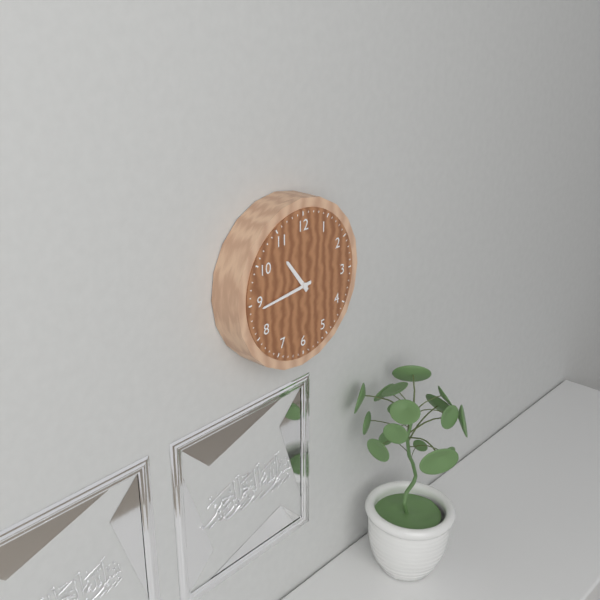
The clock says h=10 m=44
